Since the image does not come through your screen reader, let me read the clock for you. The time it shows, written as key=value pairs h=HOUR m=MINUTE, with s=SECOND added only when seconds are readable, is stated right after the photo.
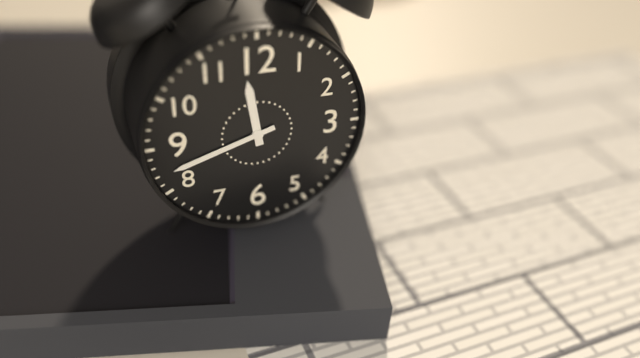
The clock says h=11 m=42
